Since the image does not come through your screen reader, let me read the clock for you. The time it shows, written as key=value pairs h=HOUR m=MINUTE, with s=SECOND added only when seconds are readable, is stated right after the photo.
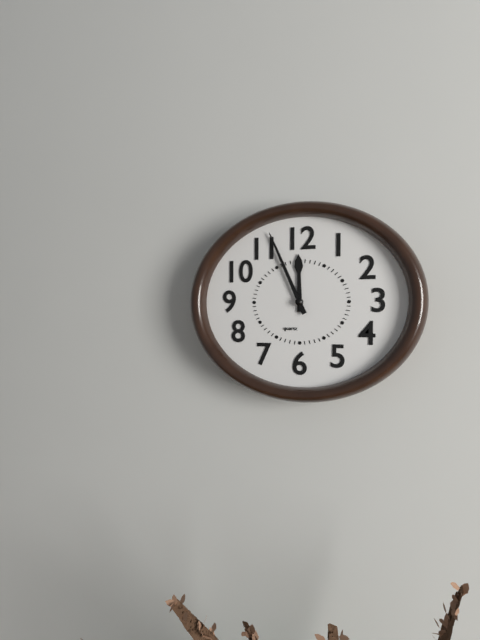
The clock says h=11 m=56
